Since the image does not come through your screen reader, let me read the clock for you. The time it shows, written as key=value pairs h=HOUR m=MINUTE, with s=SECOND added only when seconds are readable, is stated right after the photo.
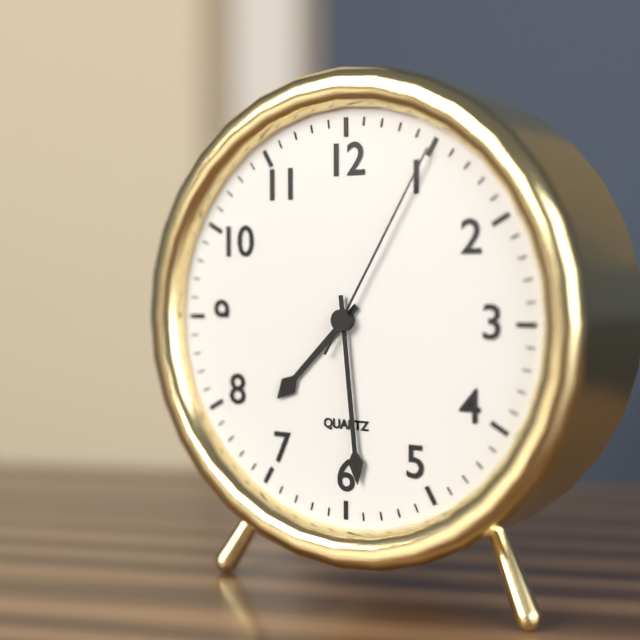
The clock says h=7 m=29 s=5
